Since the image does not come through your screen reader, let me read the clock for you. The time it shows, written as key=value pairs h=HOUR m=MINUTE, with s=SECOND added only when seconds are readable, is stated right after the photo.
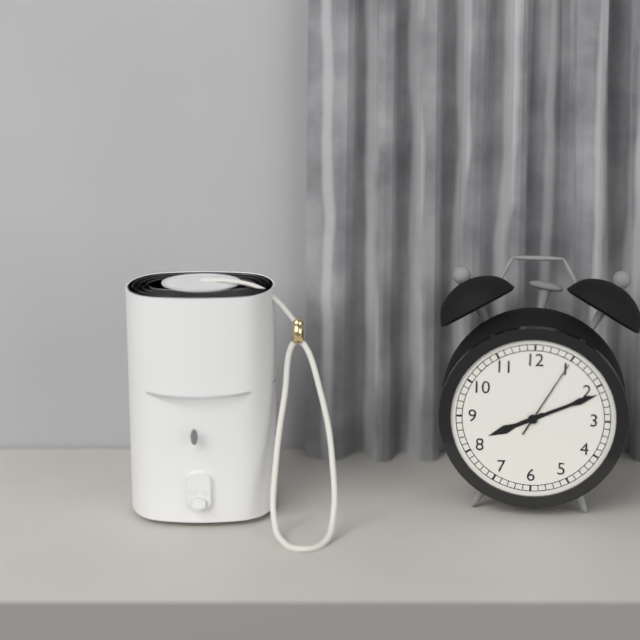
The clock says h=8 m=11 s=5
